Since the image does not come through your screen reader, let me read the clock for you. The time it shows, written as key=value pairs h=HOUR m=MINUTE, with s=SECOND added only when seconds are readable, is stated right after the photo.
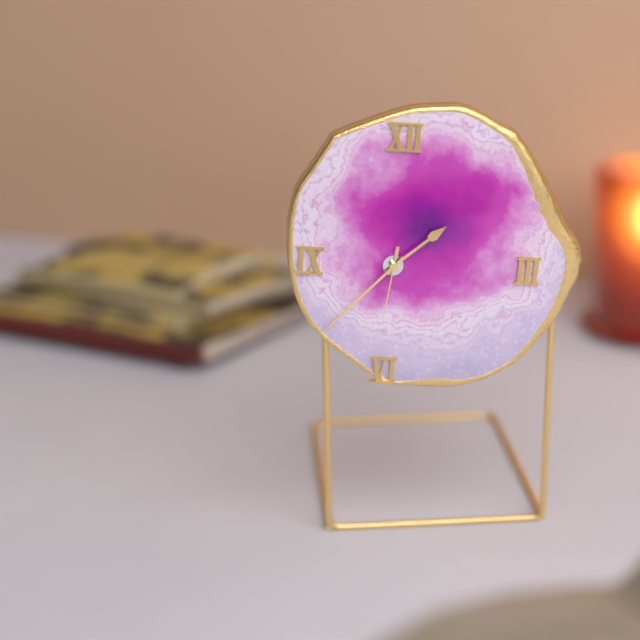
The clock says h=1 m=37 s=31
